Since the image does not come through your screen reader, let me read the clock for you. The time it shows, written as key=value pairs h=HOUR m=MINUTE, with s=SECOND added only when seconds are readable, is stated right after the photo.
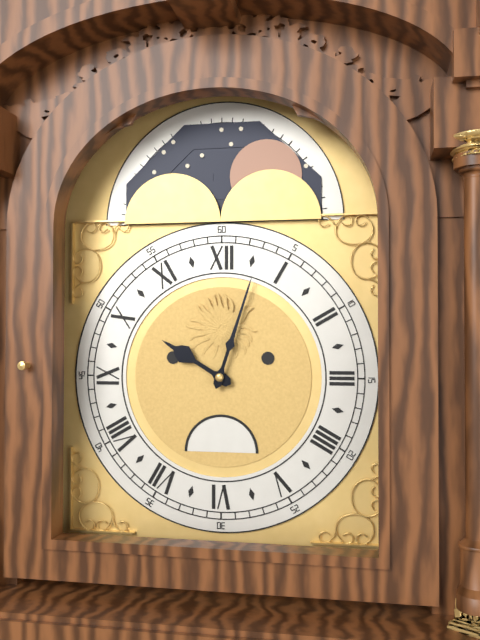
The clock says h=10 m=3
